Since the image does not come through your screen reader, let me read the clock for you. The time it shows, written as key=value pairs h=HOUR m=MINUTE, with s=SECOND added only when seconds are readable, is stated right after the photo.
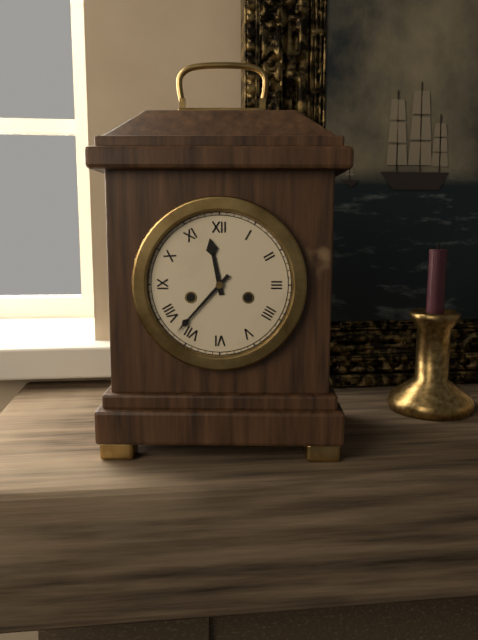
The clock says h=11 m=37
